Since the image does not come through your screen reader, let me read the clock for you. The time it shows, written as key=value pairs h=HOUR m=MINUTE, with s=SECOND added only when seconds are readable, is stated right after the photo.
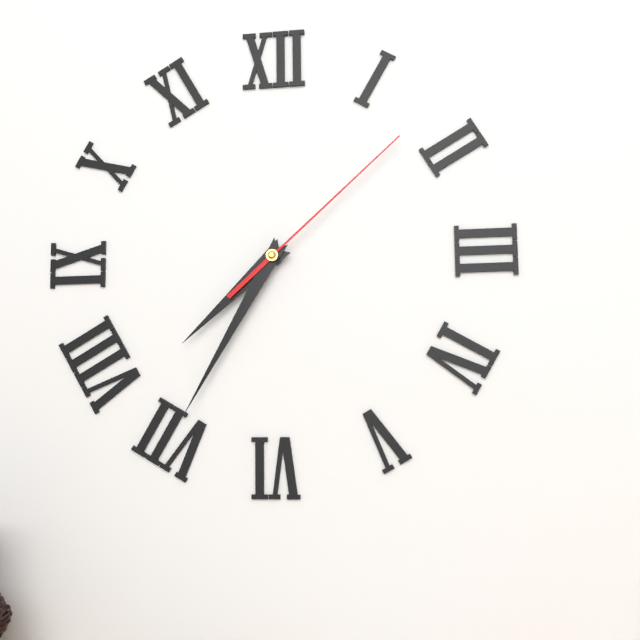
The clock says h=7 m=35 s=8
